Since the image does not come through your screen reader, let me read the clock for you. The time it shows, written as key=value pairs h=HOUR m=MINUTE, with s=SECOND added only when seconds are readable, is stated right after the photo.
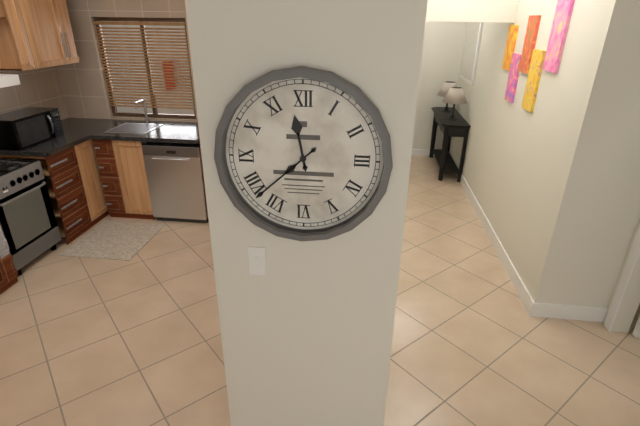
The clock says h=11 m=38
